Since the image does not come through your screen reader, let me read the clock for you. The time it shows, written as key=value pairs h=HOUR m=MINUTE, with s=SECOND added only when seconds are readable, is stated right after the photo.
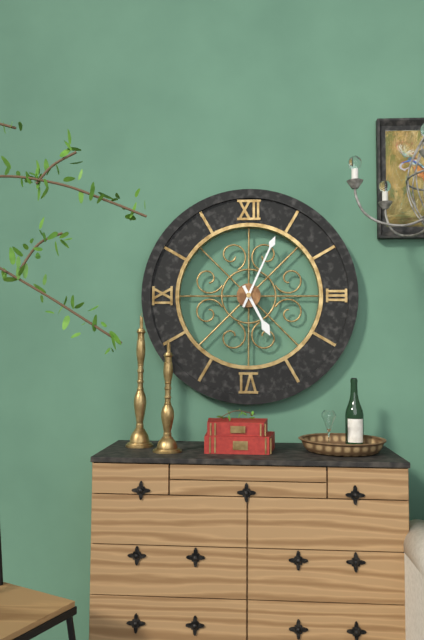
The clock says h=5 m=4
